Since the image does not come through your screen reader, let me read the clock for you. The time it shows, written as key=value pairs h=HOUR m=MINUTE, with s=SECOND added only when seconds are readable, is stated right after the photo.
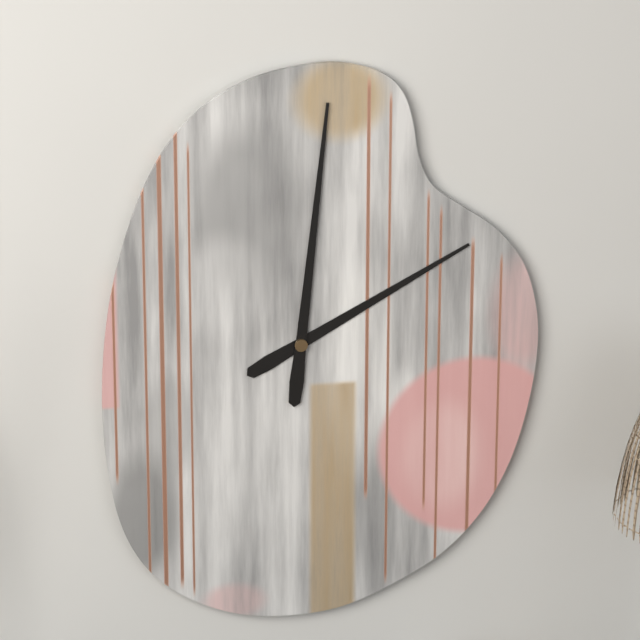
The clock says h=2 m=1
